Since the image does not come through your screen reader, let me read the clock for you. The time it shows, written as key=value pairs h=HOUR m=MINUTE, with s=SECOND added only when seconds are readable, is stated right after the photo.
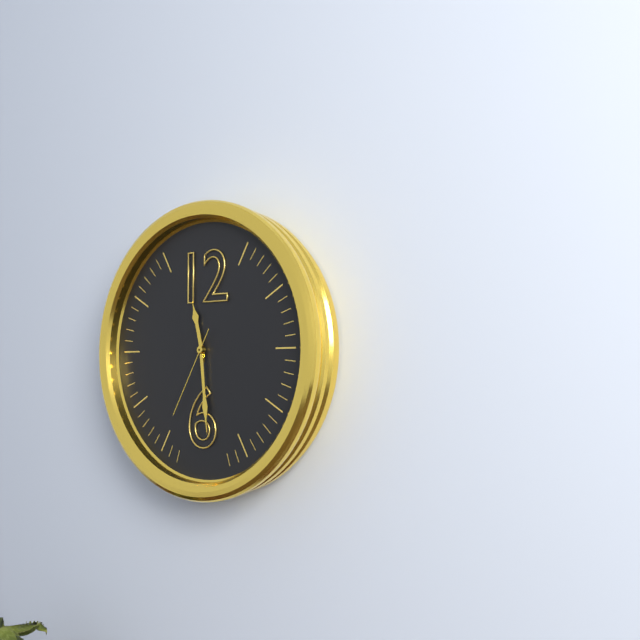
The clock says h=11 m=29 s=35
